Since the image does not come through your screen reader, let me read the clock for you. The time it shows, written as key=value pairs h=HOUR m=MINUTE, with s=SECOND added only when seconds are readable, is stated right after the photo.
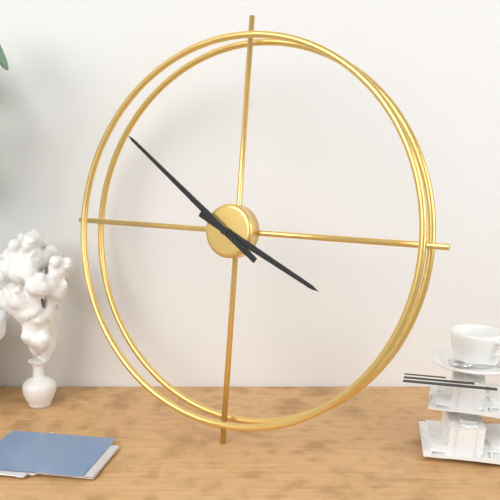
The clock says h=3 m=51
